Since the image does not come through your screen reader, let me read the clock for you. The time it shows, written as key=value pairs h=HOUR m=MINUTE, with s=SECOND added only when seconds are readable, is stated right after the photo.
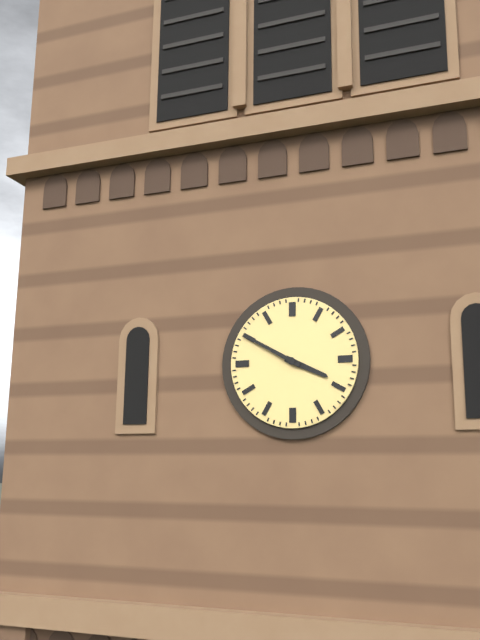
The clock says h=3 m=50
